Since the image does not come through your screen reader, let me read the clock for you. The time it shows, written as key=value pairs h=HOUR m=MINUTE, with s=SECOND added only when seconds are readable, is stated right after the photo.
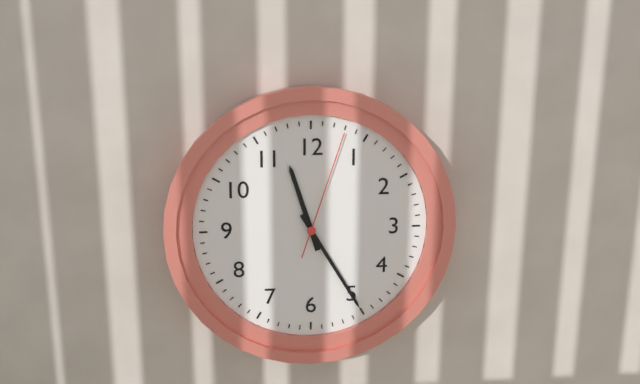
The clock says h=11 m=25 s=3
